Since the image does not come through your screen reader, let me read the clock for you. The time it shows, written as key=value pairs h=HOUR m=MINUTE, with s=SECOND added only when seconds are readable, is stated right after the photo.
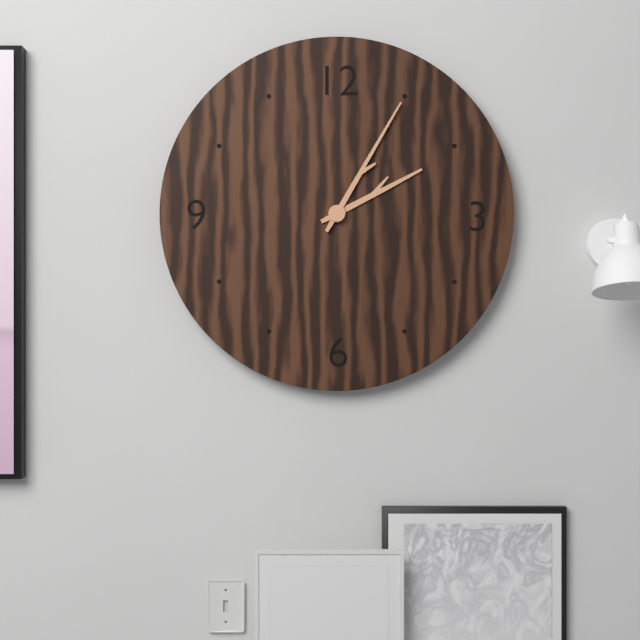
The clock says h=2 m=5
